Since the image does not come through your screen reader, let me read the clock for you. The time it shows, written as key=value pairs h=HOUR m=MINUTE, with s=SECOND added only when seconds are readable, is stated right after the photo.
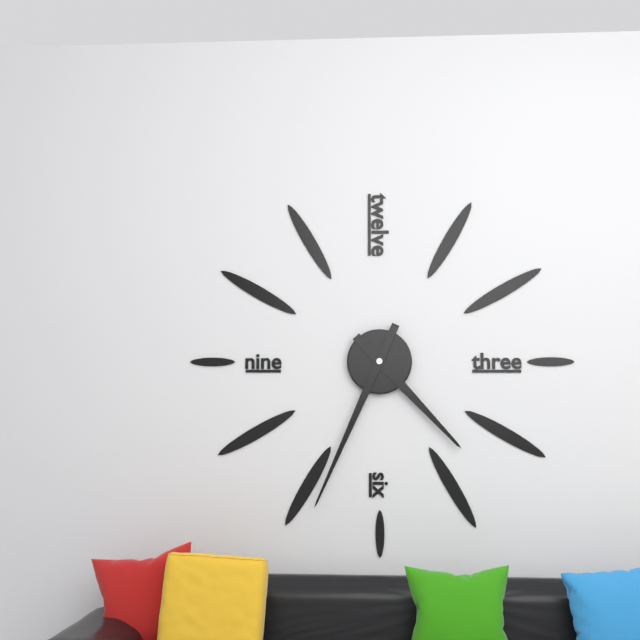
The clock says h=4 m=34
